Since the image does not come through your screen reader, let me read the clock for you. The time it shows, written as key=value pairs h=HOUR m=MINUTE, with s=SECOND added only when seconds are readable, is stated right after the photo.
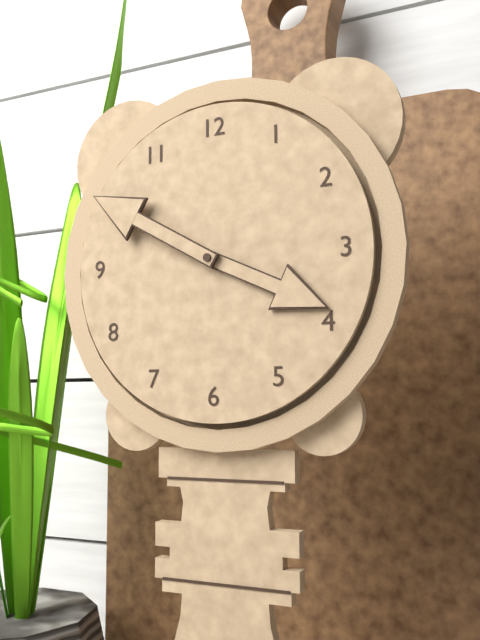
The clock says h=3 m=50
